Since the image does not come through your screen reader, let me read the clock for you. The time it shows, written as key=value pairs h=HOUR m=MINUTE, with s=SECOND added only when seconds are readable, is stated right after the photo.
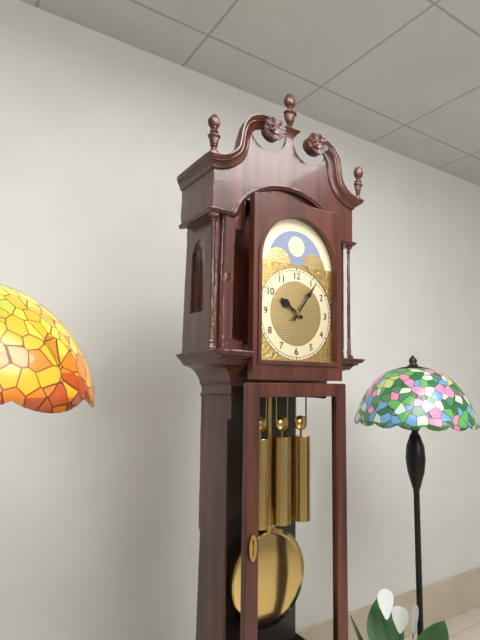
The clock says h=10 m=6
